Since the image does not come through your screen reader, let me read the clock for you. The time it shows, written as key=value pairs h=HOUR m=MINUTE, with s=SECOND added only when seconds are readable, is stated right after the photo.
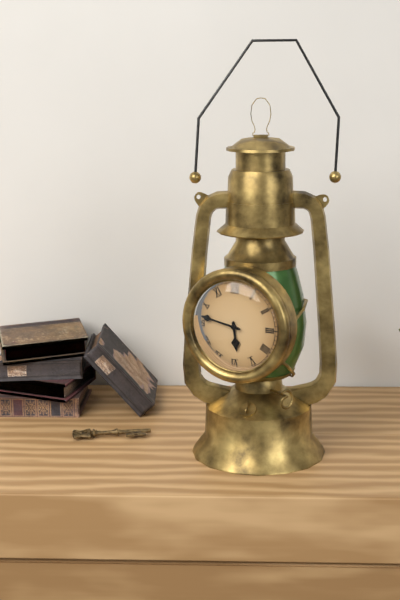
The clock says h=5 m=47
